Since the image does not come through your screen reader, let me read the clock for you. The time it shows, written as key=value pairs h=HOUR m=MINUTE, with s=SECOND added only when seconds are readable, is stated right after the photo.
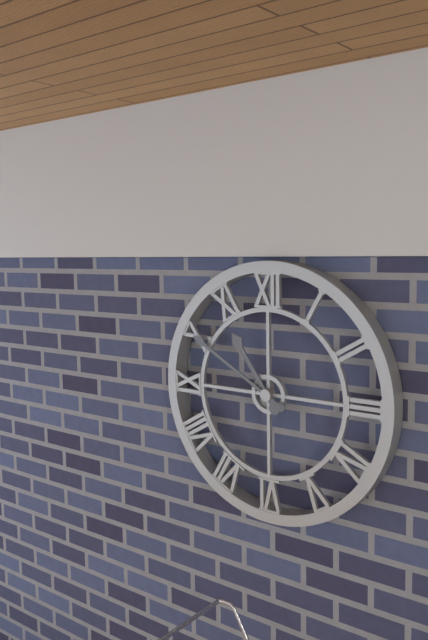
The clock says h=10 m=50
